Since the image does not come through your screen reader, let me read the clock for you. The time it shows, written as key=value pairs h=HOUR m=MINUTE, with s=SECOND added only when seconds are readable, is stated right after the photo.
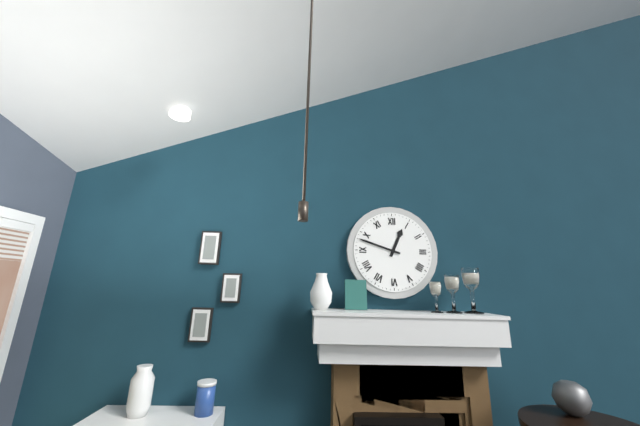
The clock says h=12 m=48
